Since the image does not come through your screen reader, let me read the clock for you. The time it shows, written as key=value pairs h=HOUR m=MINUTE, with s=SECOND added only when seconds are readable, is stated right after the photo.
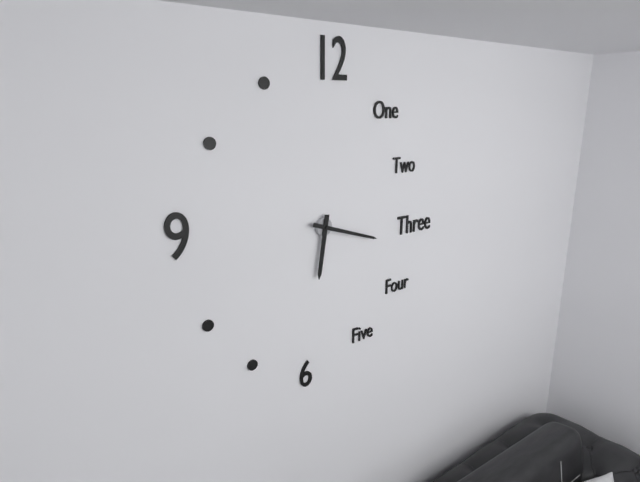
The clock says h=6 m=18
